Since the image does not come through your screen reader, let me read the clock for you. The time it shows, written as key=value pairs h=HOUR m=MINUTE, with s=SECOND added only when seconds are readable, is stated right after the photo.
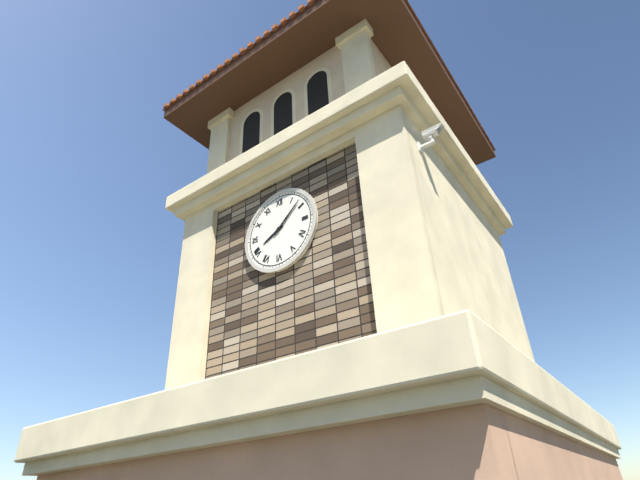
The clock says h=8 m=8
